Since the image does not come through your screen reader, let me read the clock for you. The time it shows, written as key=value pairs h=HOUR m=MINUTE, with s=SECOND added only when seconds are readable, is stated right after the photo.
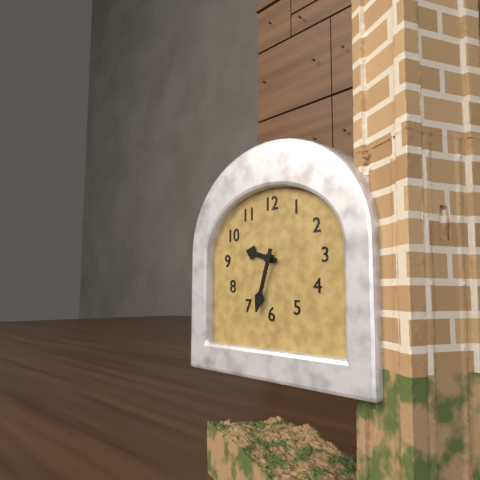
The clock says h=9 m=33
